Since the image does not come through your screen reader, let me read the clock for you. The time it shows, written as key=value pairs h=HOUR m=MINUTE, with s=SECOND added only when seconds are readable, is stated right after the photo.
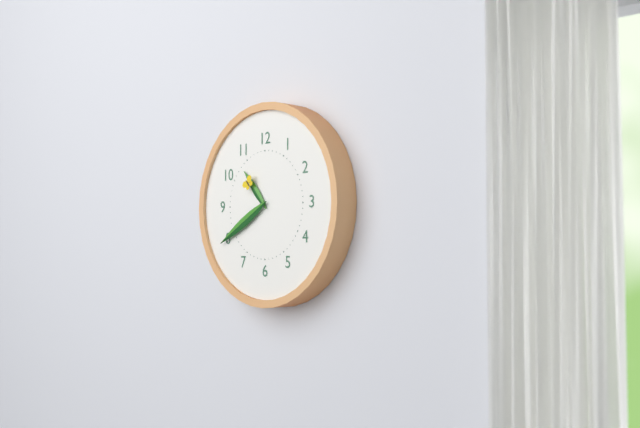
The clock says h=10 m=40
